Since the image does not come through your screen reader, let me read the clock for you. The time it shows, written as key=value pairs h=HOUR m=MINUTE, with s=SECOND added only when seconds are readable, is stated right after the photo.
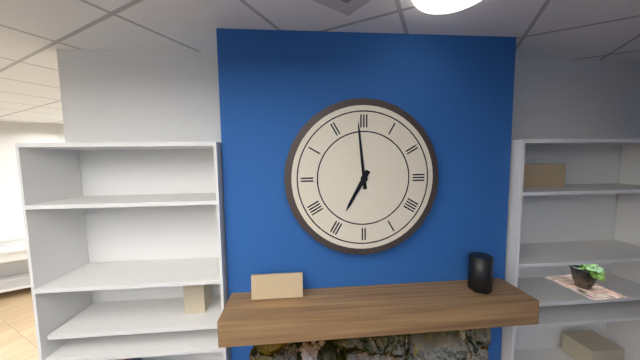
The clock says h=6 m=59
